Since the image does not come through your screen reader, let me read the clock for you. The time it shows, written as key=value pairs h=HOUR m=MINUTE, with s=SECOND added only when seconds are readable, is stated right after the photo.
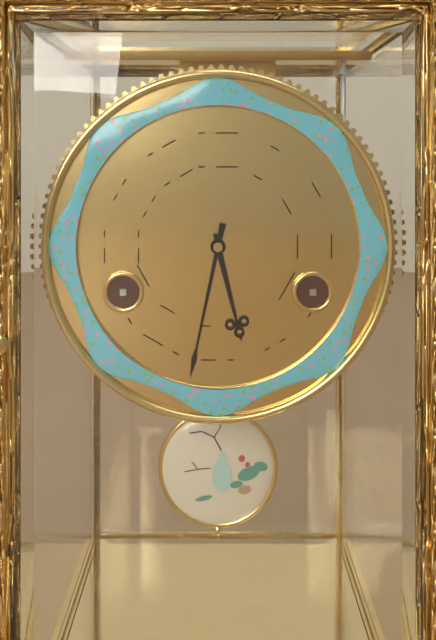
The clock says h=5 m=32
